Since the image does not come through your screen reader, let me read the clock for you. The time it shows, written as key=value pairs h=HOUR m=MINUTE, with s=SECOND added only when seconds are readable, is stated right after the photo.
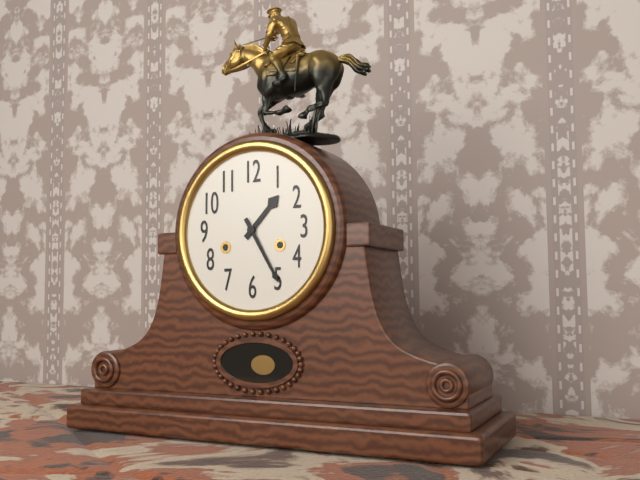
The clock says h=1 m=25
